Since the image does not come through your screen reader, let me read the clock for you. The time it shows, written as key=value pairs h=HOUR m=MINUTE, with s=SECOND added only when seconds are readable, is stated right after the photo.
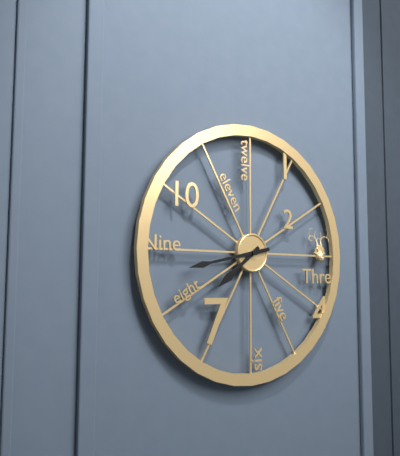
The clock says h=7 m=43
